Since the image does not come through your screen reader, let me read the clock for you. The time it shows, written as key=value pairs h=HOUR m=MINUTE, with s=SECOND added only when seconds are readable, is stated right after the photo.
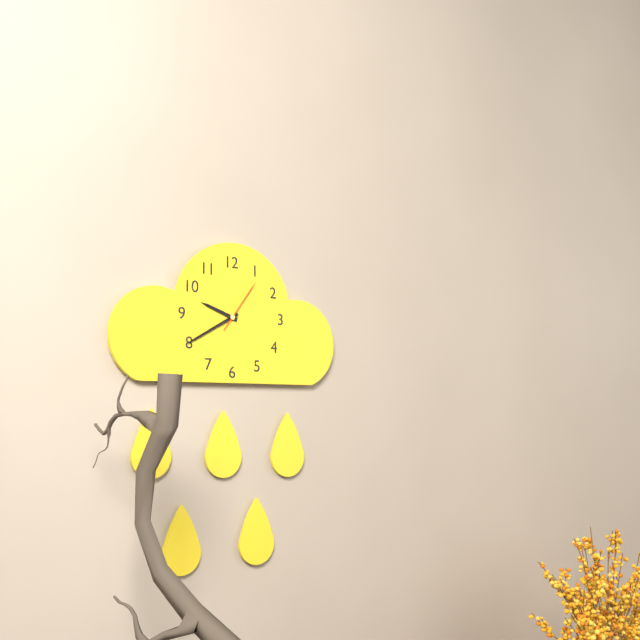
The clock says h=9 m=40 s=6
